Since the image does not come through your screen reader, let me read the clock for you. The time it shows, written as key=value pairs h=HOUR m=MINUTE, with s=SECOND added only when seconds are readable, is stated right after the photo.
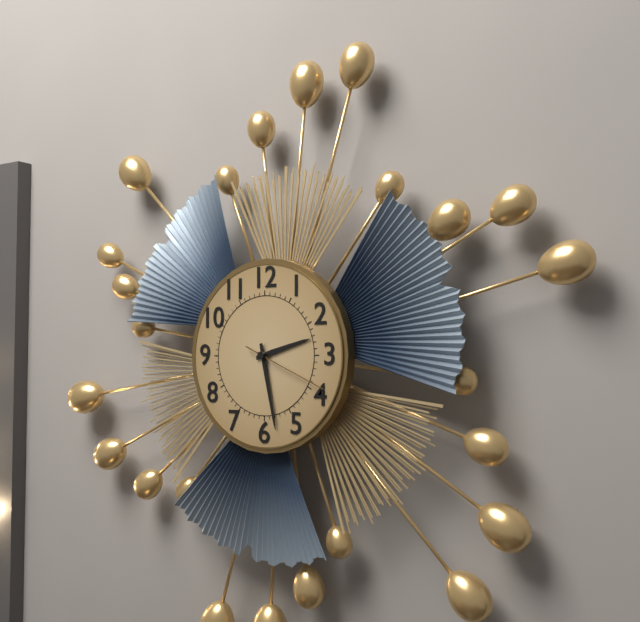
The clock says h=2 m=28 s=19
